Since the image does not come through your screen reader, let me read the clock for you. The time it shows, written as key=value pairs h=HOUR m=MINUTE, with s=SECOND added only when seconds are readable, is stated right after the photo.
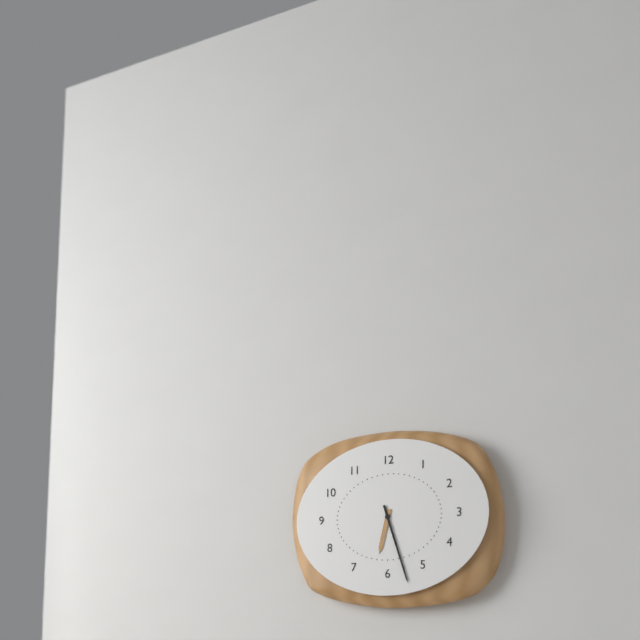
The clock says h=6 m=27
